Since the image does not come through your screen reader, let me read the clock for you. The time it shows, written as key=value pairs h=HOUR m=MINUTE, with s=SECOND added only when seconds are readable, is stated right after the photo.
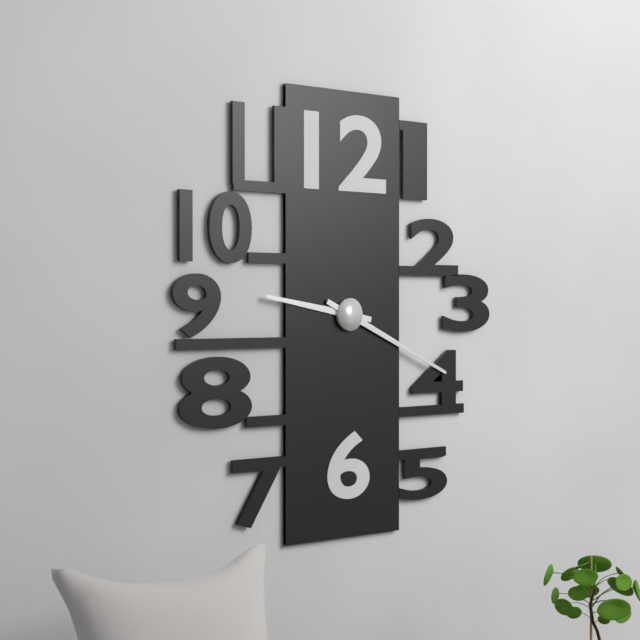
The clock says h=9 m=19
